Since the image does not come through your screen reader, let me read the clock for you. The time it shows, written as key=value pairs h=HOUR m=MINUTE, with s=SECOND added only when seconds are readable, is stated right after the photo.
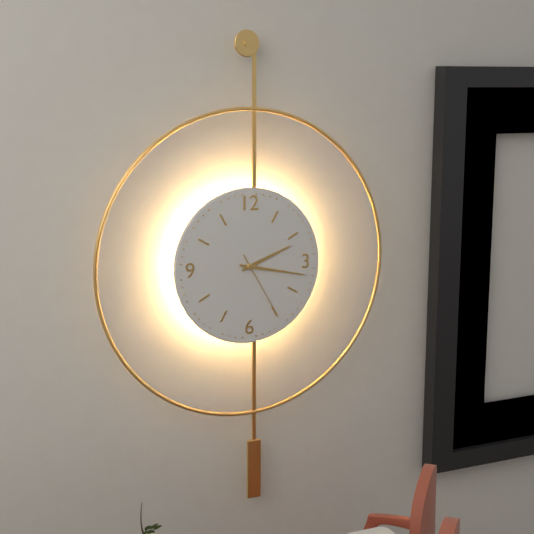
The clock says h=2 m=17 s=25
